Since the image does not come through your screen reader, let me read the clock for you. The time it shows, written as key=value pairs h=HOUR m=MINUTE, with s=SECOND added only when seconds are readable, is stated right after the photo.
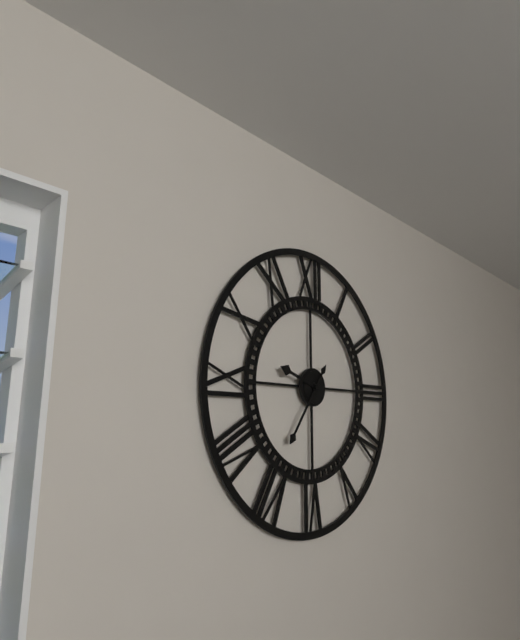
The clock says h=9 m=36
